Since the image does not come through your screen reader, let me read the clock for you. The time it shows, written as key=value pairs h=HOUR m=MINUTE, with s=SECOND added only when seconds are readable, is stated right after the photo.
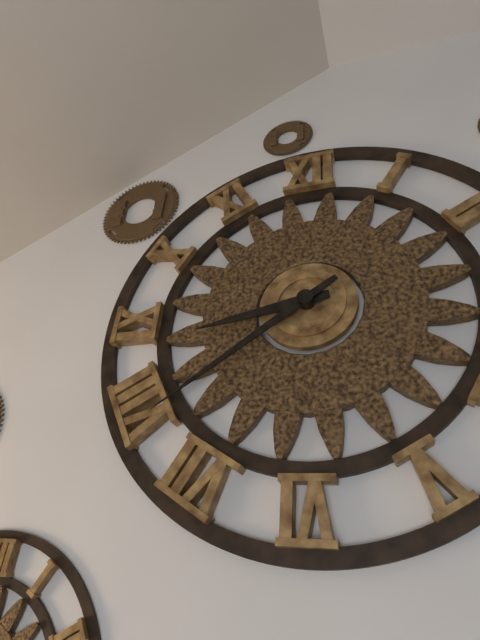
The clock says h=8 m=39
